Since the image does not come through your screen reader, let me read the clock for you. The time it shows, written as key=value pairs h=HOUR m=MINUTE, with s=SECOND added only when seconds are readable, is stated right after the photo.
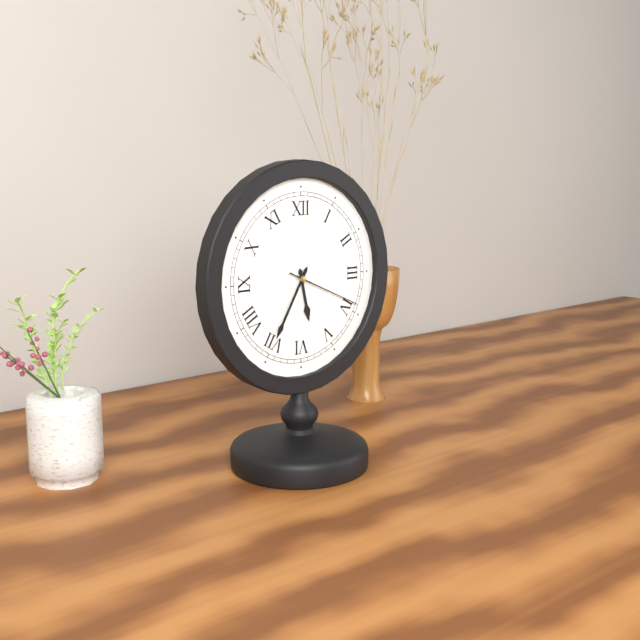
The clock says h=5 m=35 s=19
